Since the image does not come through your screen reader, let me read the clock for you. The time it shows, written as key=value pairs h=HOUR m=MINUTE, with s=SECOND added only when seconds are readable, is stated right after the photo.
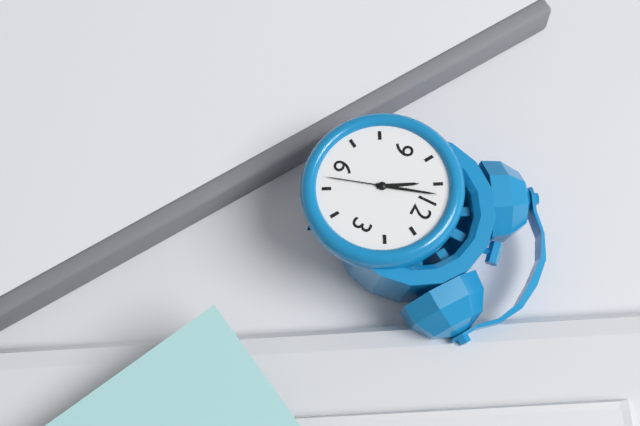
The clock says h=10 m=57 s=27
